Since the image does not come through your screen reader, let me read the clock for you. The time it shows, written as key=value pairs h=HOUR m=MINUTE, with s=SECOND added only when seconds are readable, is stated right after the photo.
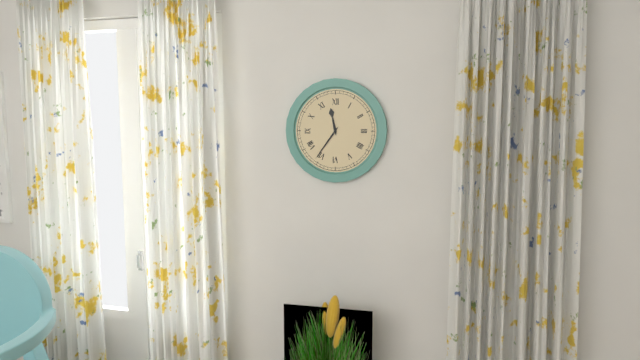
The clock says h=11 m=36
